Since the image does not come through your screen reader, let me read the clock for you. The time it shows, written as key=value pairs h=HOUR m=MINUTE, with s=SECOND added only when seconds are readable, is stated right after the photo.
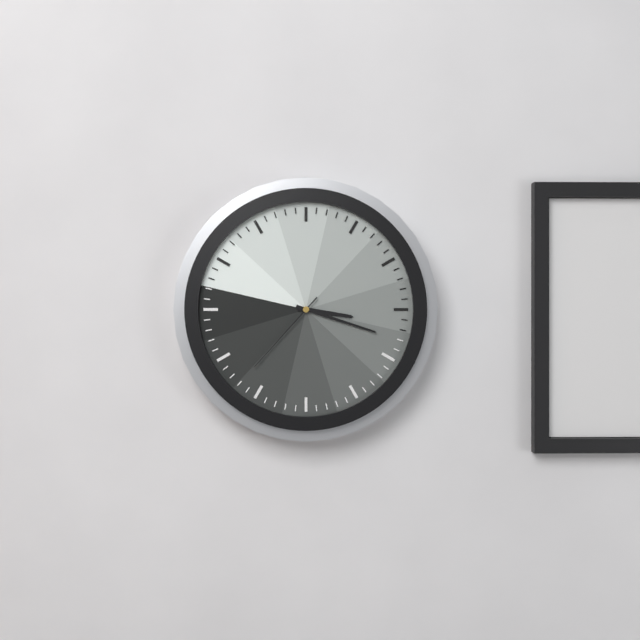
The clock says h=3 m=18 s=37
